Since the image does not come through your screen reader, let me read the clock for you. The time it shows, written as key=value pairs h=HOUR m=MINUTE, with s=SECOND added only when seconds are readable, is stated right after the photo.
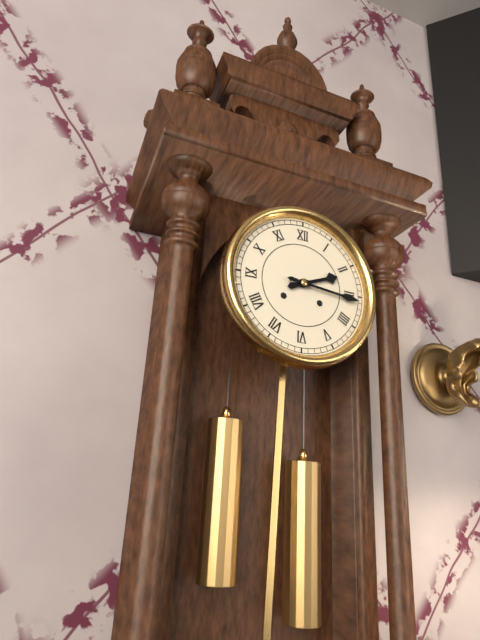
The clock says h=2 m=16
